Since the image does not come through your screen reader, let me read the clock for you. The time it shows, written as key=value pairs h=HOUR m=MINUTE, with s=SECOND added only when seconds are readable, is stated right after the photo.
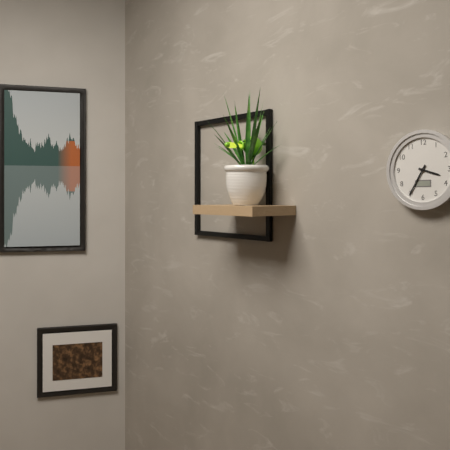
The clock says h=3 m=35
